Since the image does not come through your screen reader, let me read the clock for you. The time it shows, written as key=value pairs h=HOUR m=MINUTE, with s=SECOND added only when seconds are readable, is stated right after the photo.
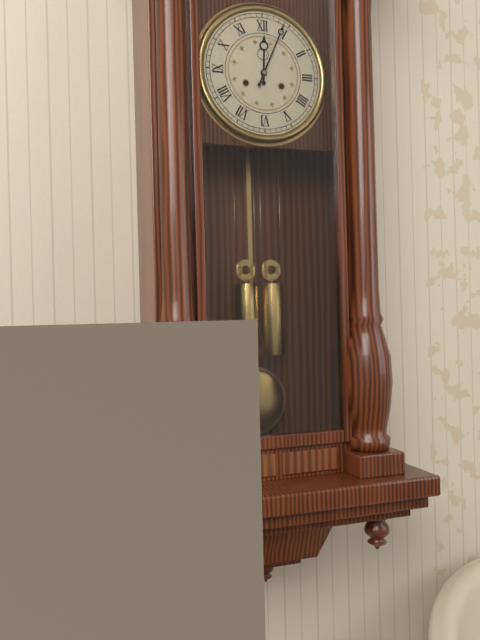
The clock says h=12 m=4
